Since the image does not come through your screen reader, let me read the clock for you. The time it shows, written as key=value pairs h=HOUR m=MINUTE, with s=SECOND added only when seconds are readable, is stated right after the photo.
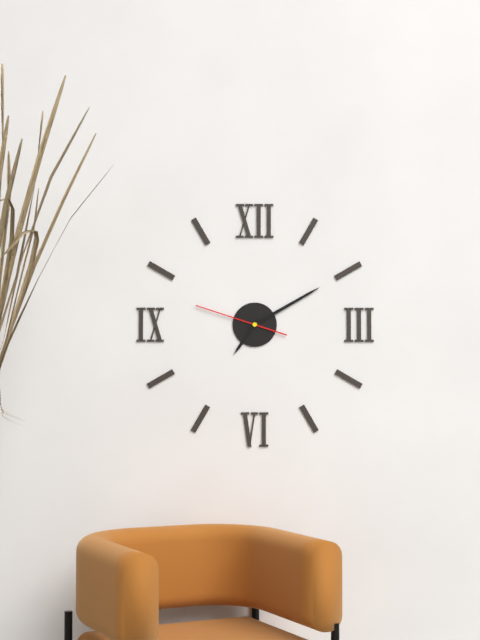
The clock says h=7 m=10 s=48
